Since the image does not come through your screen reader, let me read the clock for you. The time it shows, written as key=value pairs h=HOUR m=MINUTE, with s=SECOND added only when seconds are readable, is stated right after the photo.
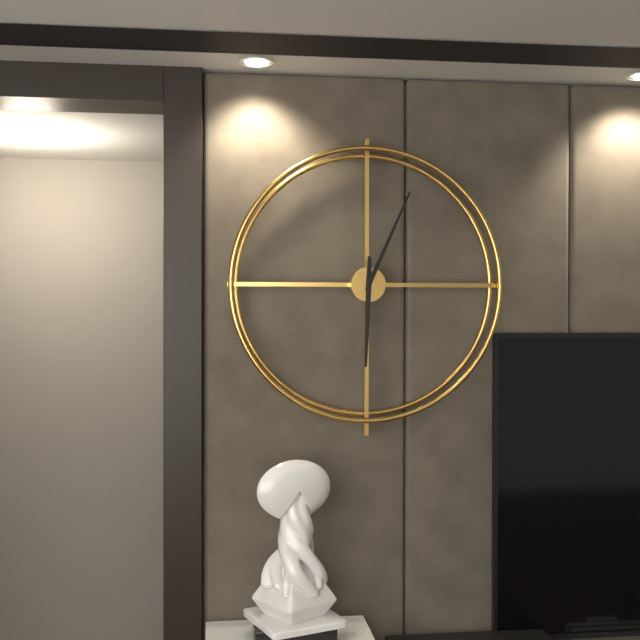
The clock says h=6 m=4
